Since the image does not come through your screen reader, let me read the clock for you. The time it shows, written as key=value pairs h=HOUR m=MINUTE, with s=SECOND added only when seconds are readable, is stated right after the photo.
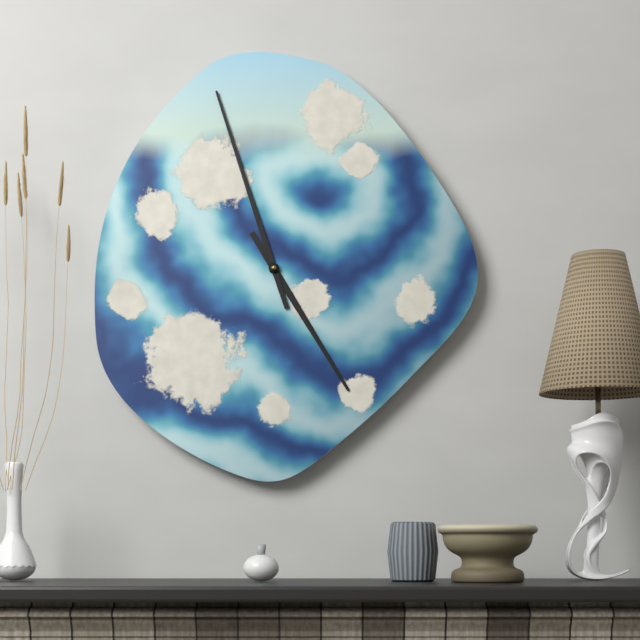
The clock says h=4 m=57
